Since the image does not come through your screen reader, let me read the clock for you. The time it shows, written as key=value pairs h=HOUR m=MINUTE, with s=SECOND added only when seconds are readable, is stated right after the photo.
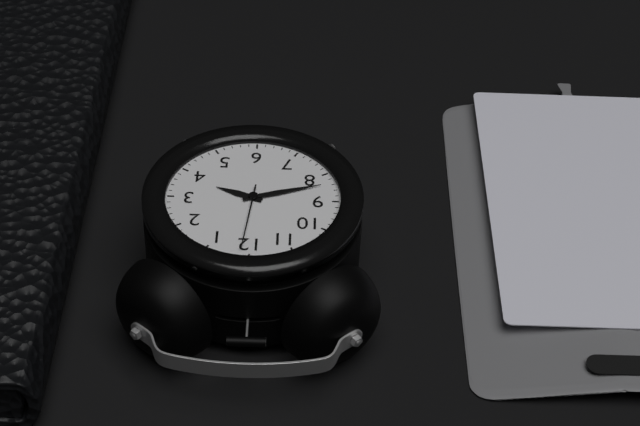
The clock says h=3 m=42 s=1
